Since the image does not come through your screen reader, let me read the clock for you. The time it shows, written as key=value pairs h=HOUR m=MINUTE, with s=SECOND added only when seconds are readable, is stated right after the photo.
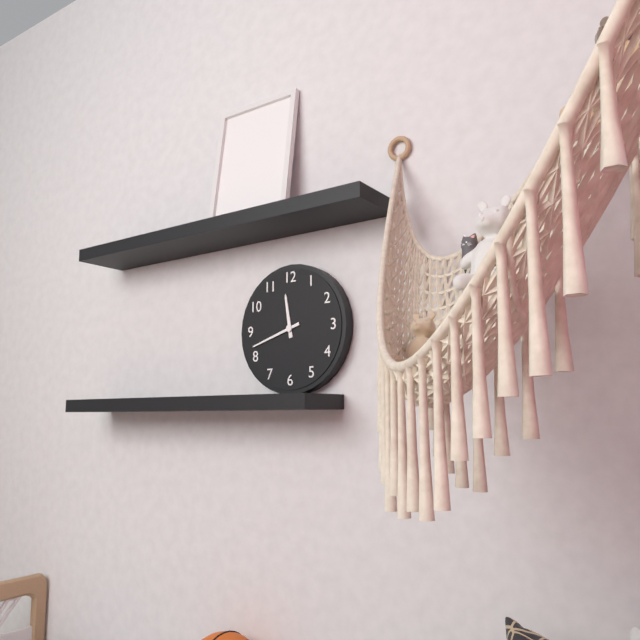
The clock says h=11 m=42
